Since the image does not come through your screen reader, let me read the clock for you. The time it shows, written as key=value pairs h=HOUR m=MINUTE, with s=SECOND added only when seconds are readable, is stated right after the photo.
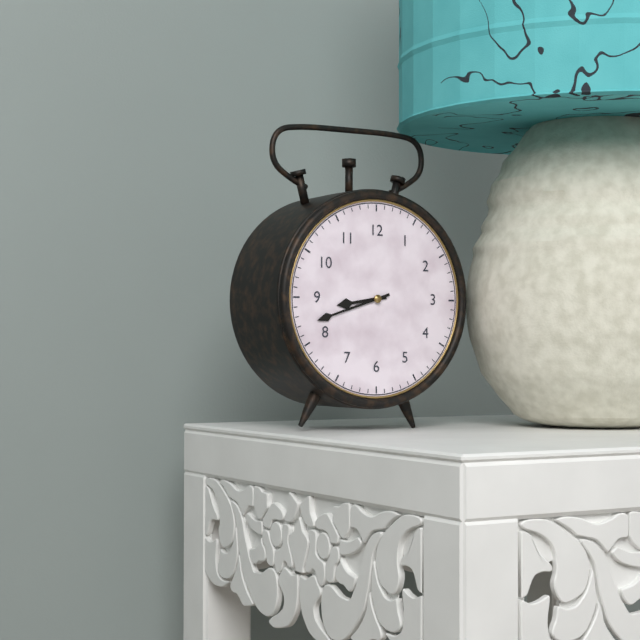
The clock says h=8 m=42
